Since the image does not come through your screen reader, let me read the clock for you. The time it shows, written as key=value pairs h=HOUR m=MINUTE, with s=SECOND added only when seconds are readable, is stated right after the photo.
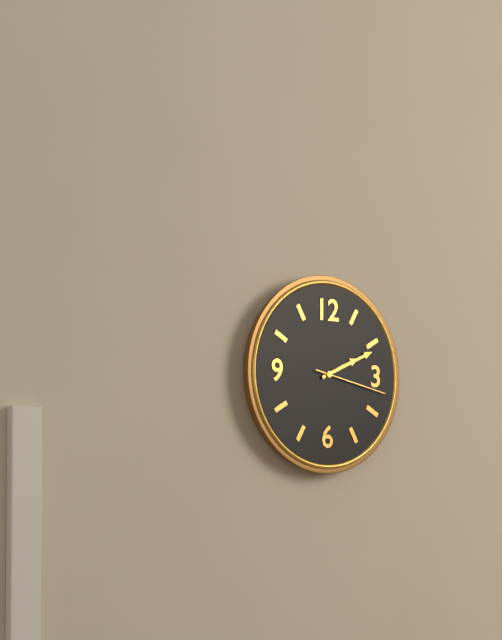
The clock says h=2 m=11 s=17
